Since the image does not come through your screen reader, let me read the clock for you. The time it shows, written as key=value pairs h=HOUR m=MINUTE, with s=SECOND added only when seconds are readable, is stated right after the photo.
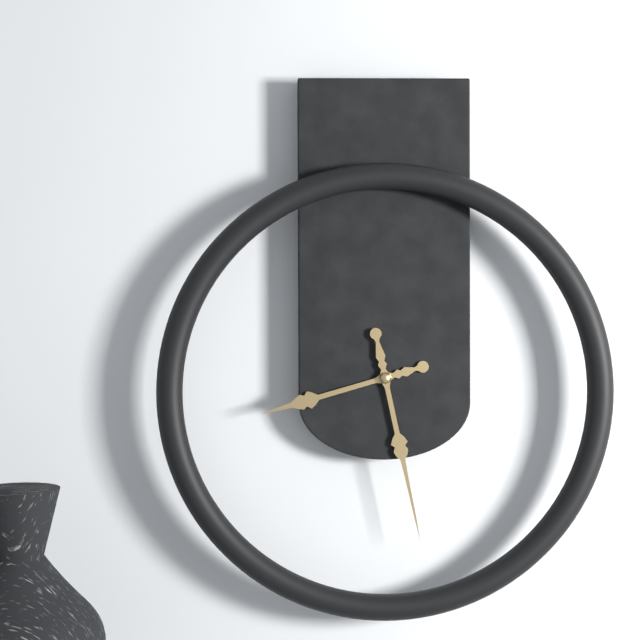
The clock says h=8 m=28
